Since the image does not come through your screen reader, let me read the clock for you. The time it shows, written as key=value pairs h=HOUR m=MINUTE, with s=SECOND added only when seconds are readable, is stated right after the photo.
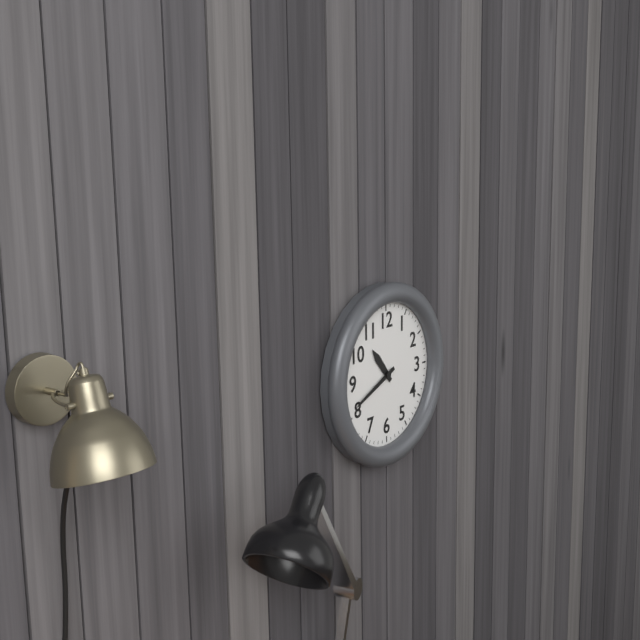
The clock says h=10 m=41
